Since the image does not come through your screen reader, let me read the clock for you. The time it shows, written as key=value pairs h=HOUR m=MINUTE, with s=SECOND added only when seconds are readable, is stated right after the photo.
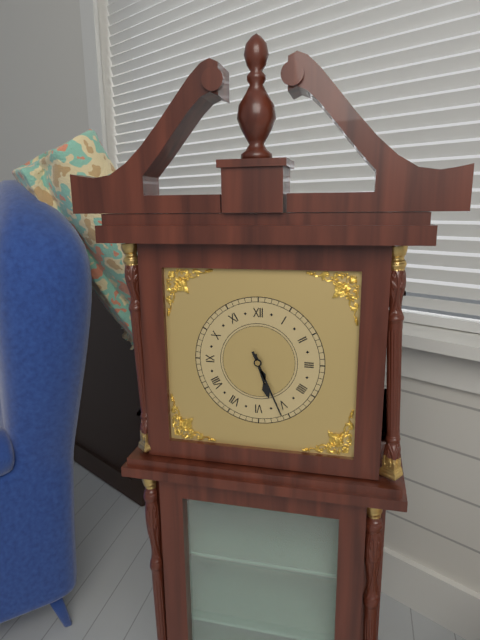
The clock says h=5 m=26
